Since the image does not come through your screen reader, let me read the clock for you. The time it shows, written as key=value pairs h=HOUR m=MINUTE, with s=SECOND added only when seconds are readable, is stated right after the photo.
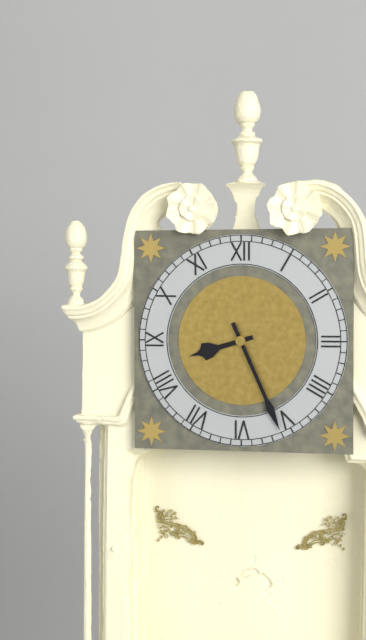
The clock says h=8 m=26
